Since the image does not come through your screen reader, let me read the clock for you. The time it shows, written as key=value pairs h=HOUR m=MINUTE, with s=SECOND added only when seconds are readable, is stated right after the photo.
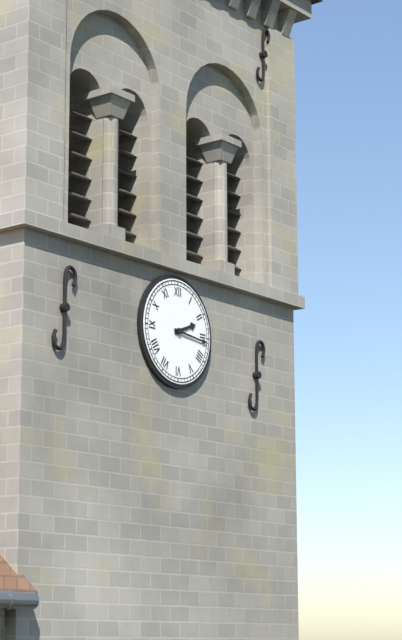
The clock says h=2 m=16
